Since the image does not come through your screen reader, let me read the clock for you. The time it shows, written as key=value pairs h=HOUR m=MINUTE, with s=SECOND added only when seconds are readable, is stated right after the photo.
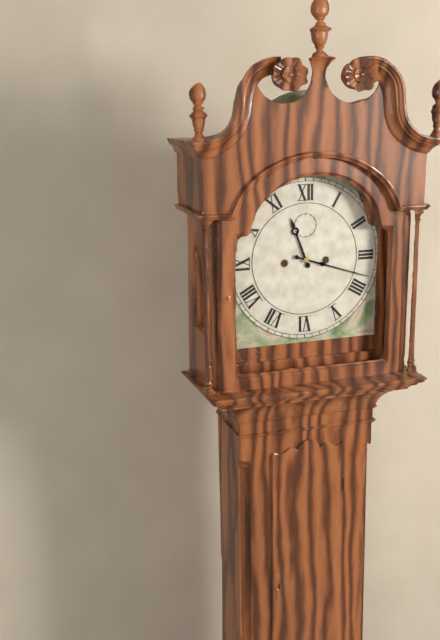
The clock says h=11 m=18
